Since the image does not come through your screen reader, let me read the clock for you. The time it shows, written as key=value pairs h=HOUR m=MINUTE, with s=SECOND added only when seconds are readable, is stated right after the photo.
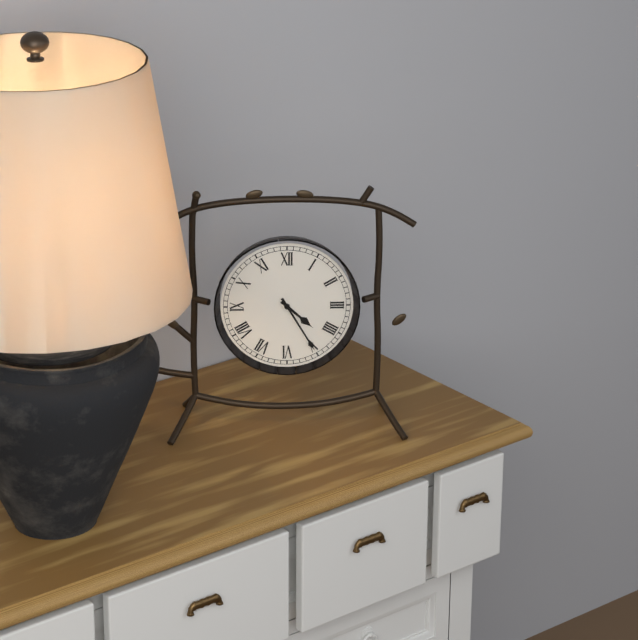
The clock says h=4 m=25
